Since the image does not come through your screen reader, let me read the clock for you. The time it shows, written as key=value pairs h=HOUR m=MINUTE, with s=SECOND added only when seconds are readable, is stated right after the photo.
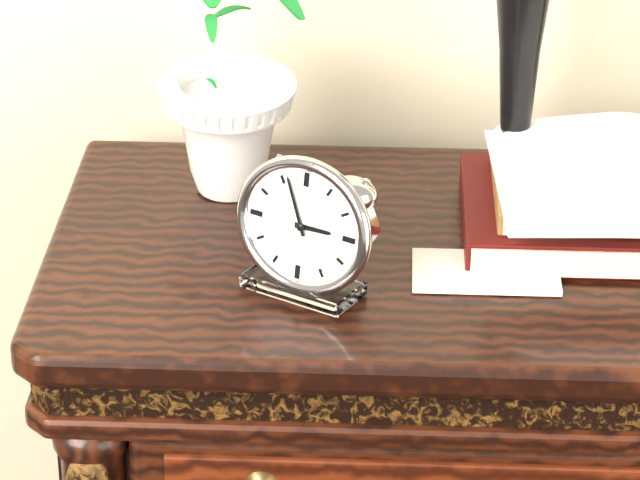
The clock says h=2 m=56
